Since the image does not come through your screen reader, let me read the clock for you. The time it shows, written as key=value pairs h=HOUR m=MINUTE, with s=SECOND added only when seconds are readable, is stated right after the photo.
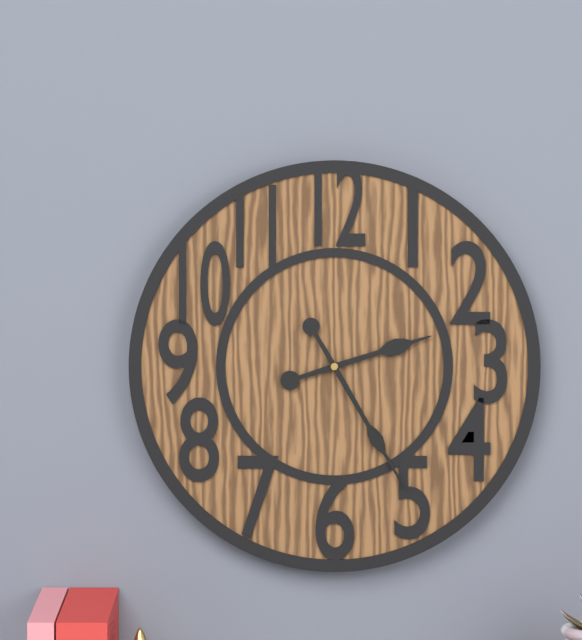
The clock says h=2 m=25
